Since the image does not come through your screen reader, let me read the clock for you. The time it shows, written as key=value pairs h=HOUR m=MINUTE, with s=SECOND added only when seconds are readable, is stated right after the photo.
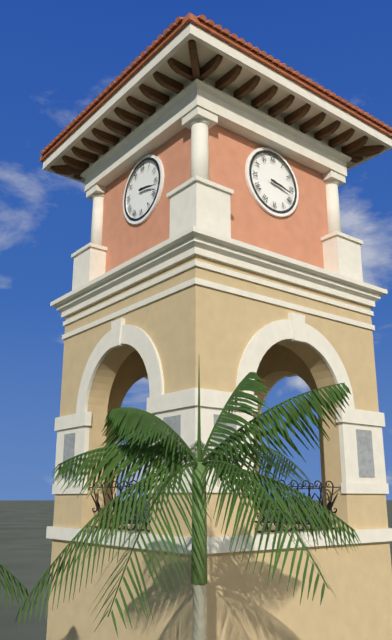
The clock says h=3 m=17
